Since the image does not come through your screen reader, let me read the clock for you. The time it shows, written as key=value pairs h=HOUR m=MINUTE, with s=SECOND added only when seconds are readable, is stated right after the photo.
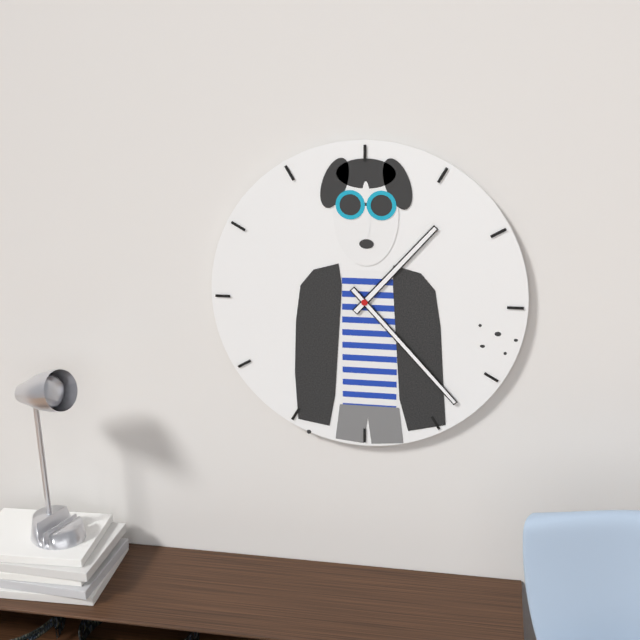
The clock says h=1 m=23
